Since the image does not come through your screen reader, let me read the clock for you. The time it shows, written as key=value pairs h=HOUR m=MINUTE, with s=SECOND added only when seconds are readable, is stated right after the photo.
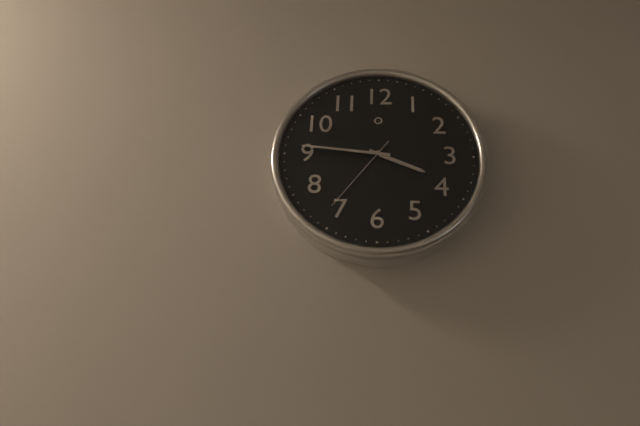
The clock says h=3 m=46 s=36
